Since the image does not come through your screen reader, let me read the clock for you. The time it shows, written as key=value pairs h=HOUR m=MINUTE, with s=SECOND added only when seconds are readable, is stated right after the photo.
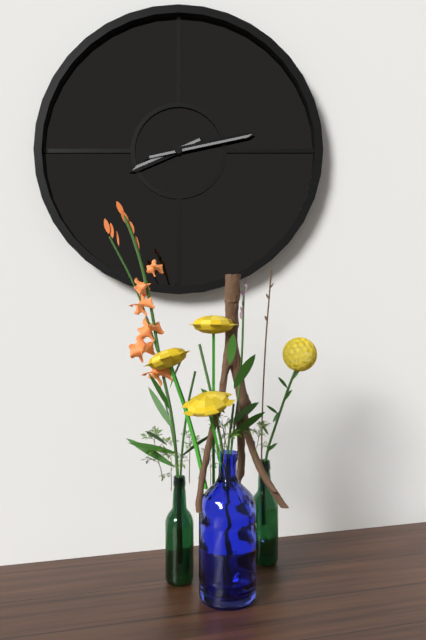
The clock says h=8 m=13
